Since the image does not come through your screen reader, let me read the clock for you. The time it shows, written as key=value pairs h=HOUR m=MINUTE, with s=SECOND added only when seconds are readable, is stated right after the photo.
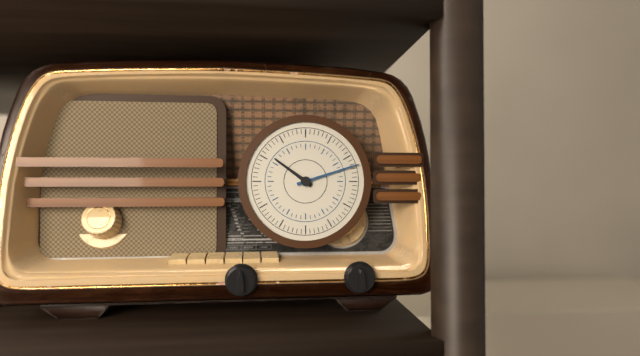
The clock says h=10 m=12
